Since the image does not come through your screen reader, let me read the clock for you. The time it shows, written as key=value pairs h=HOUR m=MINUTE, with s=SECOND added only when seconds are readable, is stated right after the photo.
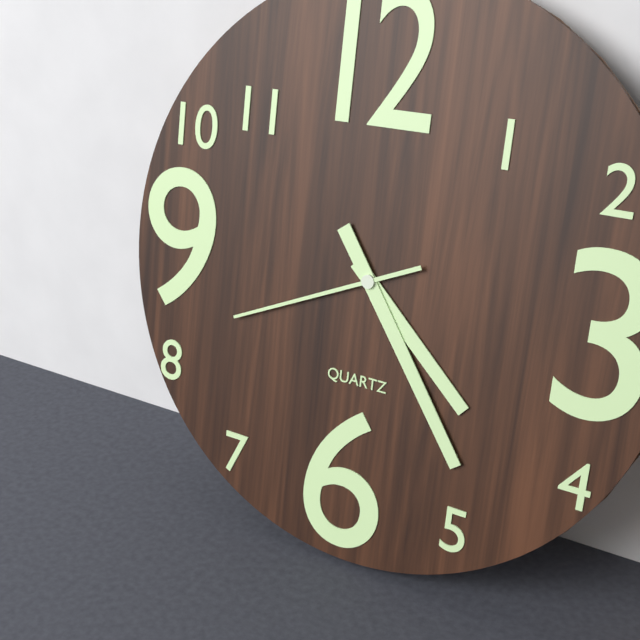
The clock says h=4 m=24 s=41
